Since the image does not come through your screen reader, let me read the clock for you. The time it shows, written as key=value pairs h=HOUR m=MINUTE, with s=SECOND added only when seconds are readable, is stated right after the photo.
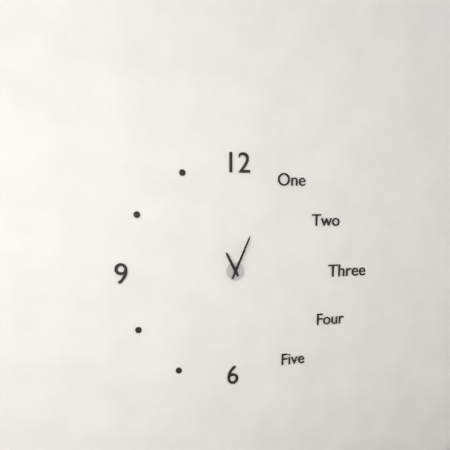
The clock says h=11 m=4
